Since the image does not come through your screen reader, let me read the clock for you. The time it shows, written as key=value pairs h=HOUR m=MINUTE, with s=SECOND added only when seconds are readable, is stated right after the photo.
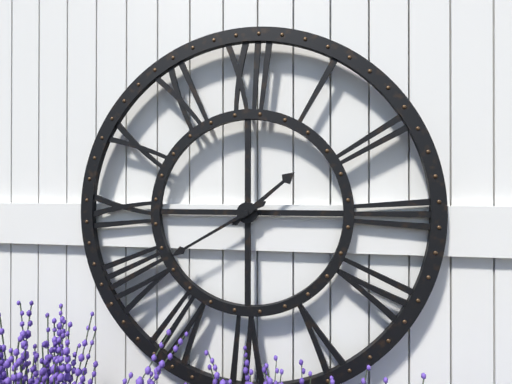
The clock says h=1 m=40
